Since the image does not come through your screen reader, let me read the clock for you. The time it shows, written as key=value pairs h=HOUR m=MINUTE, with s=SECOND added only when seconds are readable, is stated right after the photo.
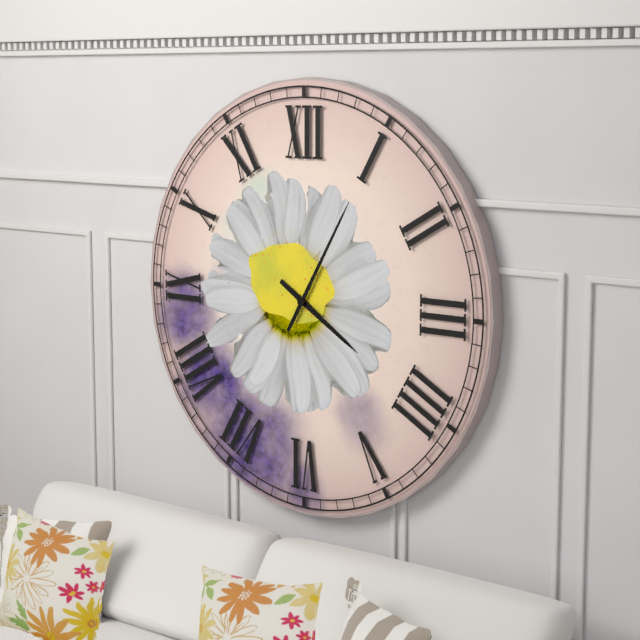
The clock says h=4 m=5
